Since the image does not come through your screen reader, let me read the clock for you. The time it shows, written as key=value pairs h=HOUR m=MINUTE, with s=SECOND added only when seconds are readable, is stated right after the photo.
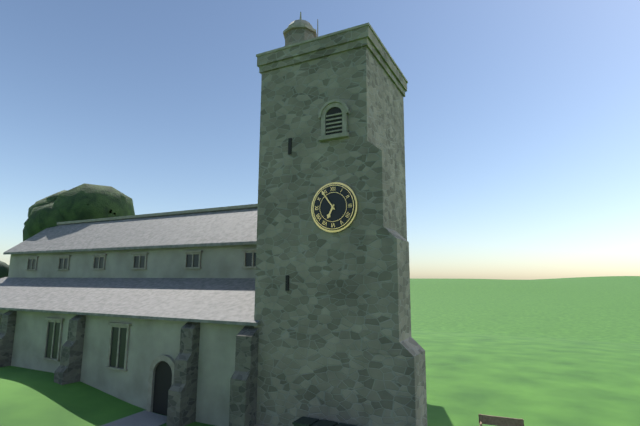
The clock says h=6 m=54
